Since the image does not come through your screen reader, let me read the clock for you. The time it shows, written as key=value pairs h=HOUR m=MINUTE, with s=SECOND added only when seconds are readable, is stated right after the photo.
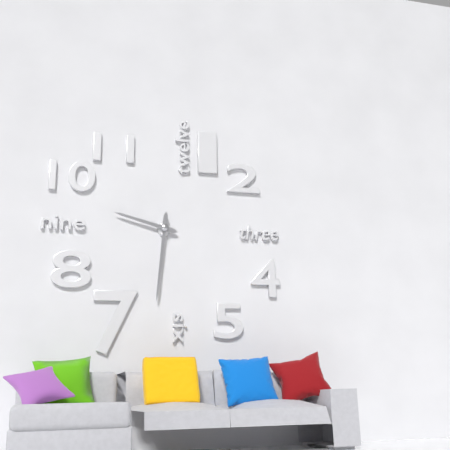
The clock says h=9 m=31
